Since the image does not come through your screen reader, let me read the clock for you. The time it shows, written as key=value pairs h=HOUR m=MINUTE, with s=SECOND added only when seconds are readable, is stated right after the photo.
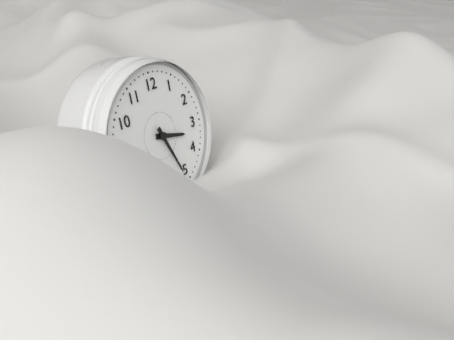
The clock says h=3 m=26
